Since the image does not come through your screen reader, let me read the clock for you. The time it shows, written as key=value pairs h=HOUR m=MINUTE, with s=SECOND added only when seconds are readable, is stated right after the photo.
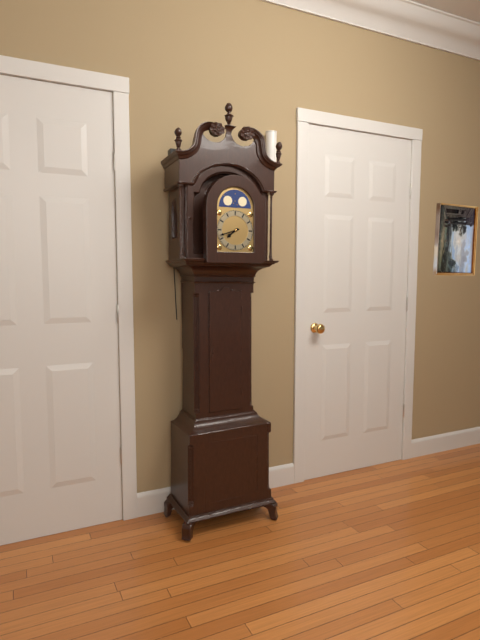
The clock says h=7 m=42
